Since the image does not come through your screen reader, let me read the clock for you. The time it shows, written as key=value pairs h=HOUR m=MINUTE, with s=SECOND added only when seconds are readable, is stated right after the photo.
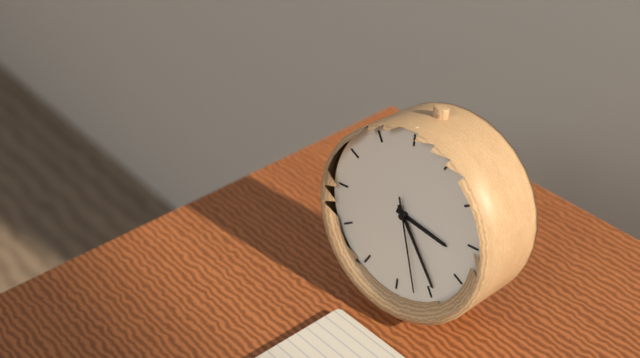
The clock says h=3 m=24 s=27
